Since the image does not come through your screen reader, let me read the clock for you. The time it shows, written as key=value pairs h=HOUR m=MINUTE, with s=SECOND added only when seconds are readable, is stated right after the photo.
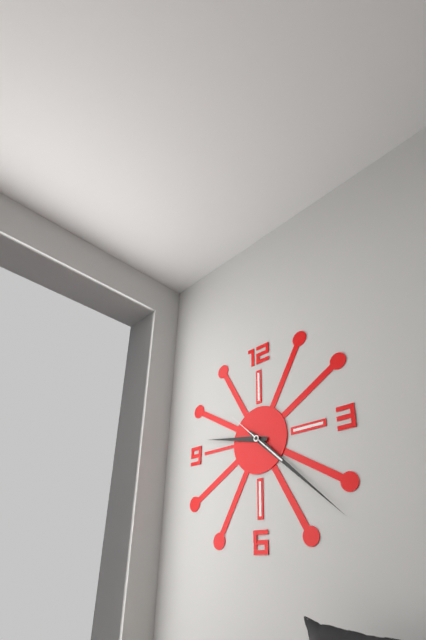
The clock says h=9 m=22
